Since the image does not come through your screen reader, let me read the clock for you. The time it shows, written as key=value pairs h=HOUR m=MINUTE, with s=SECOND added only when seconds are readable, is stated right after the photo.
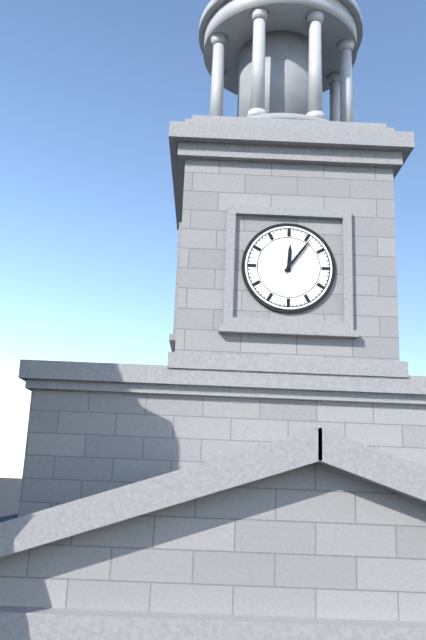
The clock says h=12 m=6
